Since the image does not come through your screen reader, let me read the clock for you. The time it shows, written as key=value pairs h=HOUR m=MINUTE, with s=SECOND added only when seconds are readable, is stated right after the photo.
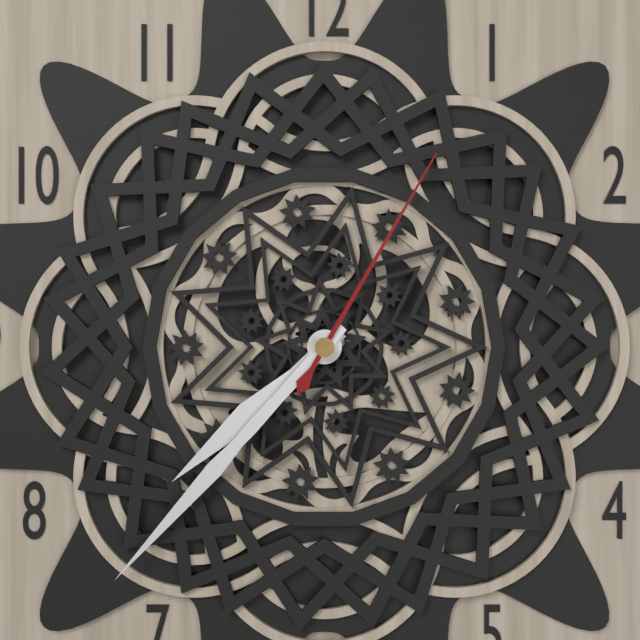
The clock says h=7 m=37 s=5
